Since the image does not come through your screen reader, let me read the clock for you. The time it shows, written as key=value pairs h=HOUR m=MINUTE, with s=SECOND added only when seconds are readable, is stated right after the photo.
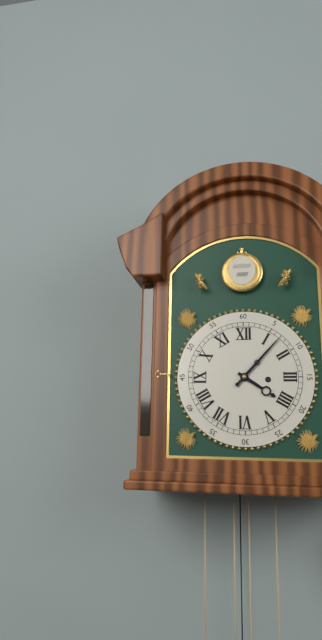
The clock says h=4 m=7
